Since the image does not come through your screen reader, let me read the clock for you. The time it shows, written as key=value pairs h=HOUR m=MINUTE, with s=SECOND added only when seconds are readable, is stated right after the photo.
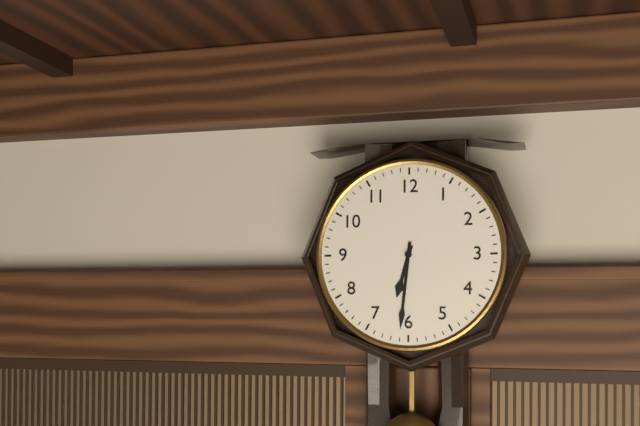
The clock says h=6 m=31
